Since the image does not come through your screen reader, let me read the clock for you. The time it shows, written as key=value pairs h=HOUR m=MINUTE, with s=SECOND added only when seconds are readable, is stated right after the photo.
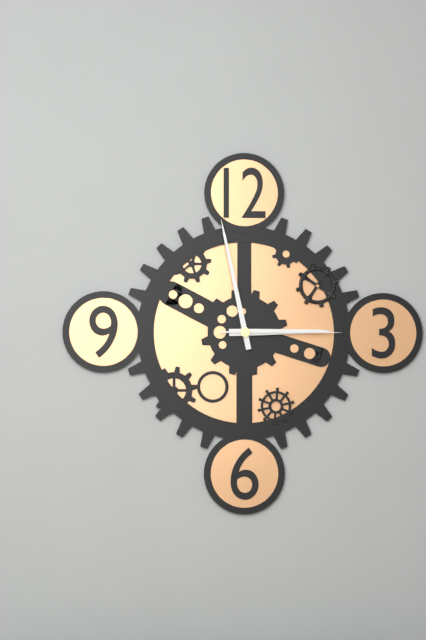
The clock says h=2 m=58 s=15
